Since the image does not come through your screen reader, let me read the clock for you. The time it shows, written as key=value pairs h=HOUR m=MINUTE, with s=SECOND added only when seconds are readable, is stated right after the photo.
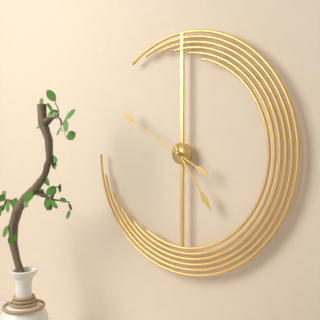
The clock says h=4 m=50
